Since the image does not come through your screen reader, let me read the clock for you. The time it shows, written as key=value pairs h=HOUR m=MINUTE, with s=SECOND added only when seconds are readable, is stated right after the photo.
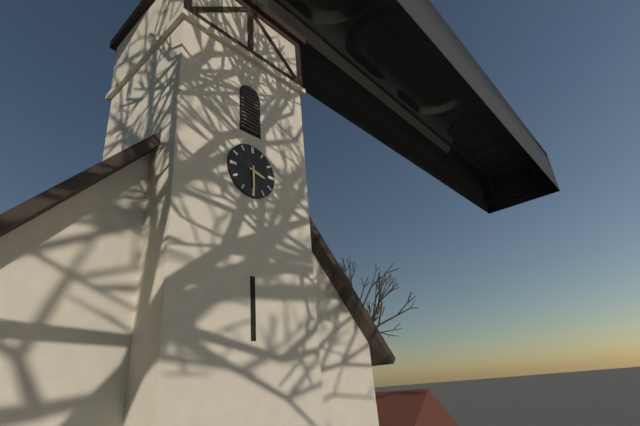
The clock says h=3 m=30
